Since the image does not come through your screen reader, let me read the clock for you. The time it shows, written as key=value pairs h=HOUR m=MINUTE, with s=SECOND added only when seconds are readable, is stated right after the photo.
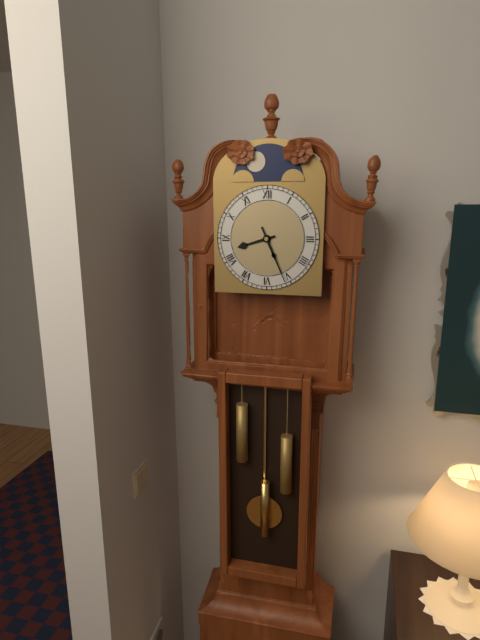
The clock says h=8 m=26
